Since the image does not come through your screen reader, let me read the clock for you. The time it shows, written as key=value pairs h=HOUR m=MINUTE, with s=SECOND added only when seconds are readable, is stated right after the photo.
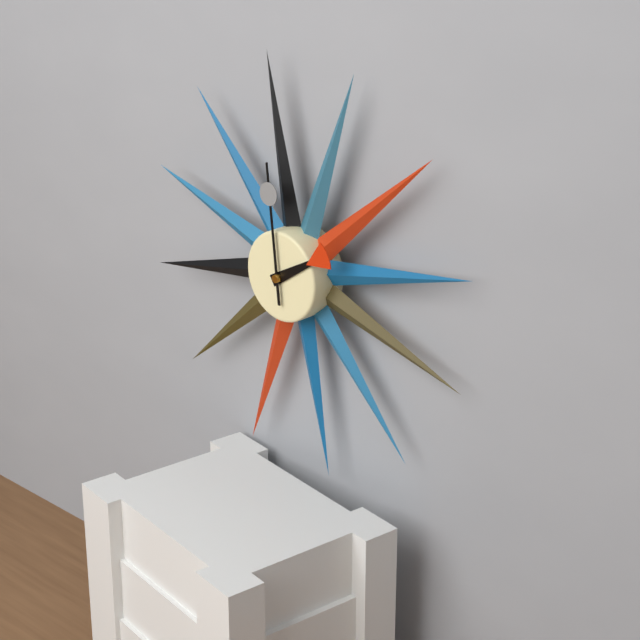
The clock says h=1 m=59
